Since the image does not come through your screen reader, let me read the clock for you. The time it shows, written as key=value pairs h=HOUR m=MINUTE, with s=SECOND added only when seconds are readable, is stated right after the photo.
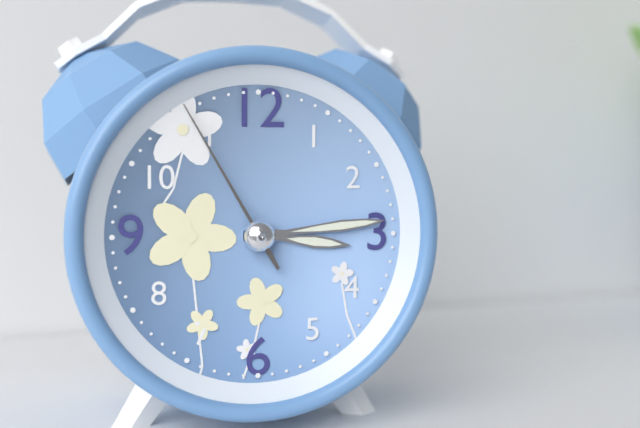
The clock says h=3 m=14 s=55
